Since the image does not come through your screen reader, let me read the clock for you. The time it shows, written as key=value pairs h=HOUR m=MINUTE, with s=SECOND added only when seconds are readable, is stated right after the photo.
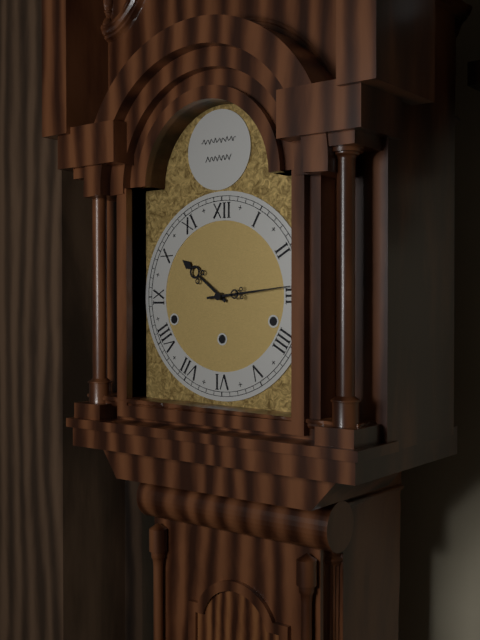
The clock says h=10 m=14
